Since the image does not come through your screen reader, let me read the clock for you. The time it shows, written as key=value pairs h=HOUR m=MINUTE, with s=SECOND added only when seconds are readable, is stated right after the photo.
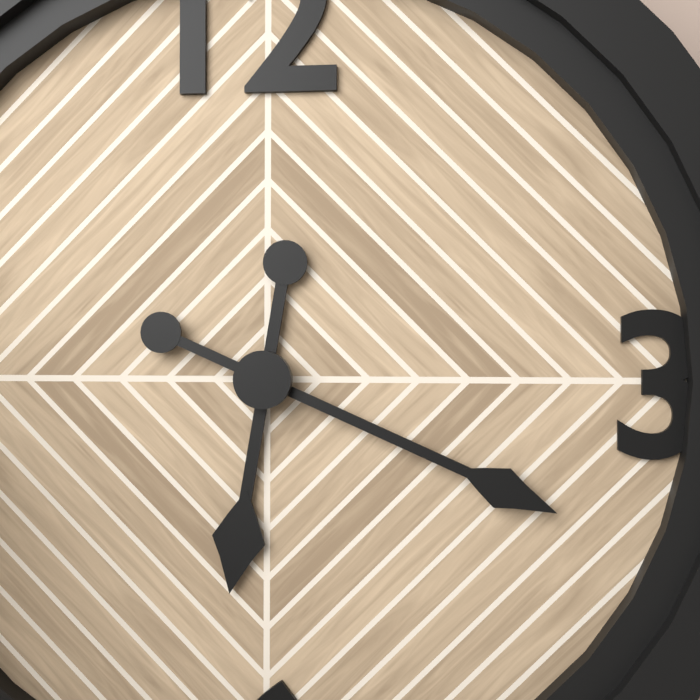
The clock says h=6 m=19
